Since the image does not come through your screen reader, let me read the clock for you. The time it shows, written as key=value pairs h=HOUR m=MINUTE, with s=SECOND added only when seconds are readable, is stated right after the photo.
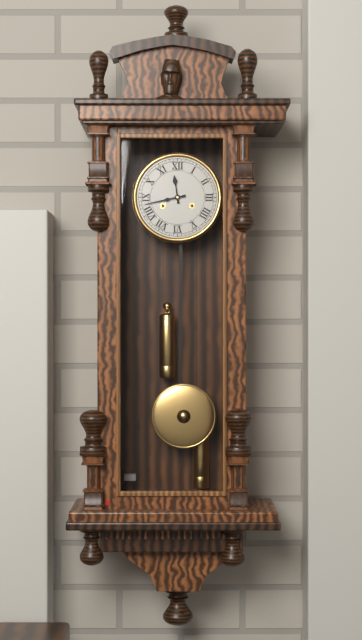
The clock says h=11 m=43
